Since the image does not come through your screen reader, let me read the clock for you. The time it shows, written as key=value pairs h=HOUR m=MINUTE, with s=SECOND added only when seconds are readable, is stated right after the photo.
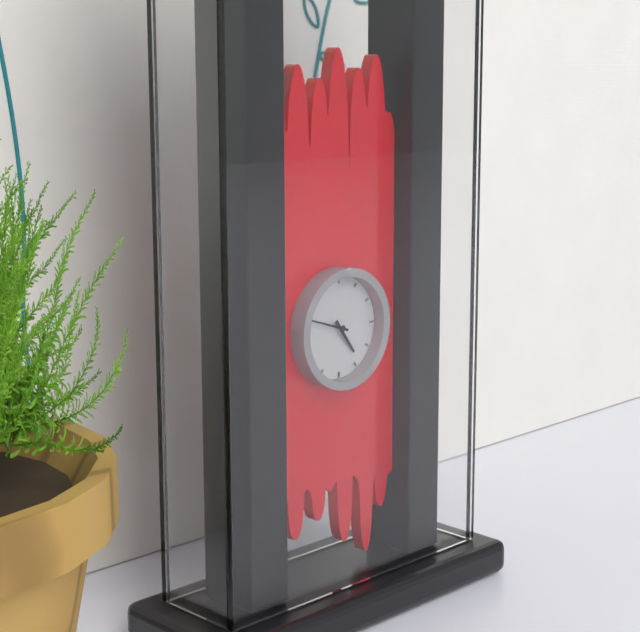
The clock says h=4 m=48
